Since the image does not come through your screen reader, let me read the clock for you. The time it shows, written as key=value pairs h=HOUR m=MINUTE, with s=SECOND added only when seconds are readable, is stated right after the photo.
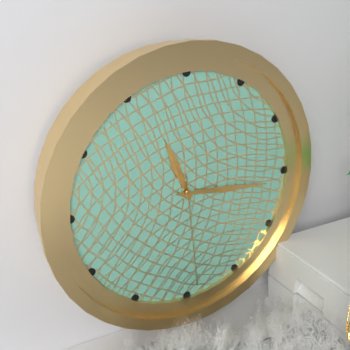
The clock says h=11 m=16 s=29
